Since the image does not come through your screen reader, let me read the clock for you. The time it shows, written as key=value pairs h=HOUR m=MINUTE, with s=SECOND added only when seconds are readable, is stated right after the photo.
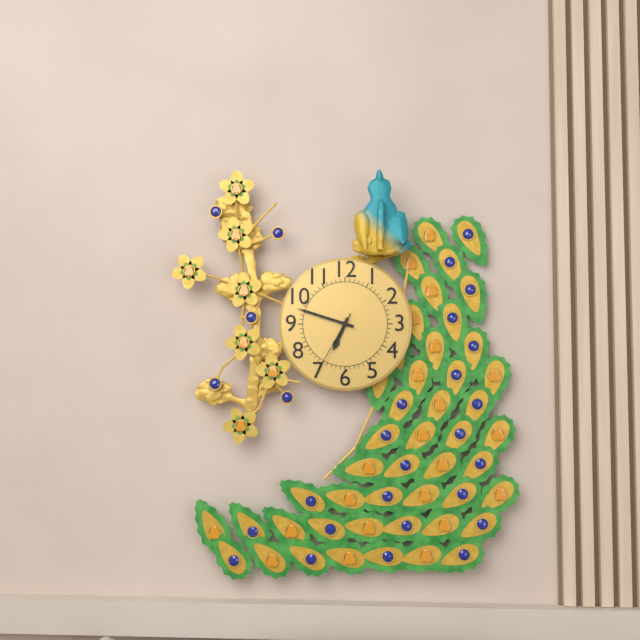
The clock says h=6 m=48 s=35
